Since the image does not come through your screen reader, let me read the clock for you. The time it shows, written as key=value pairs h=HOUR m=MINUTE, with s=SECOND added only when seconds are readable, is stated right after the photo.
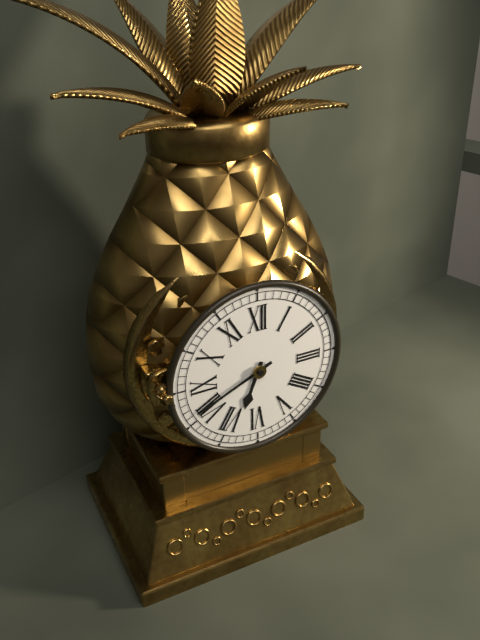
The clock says h=6 m=41
